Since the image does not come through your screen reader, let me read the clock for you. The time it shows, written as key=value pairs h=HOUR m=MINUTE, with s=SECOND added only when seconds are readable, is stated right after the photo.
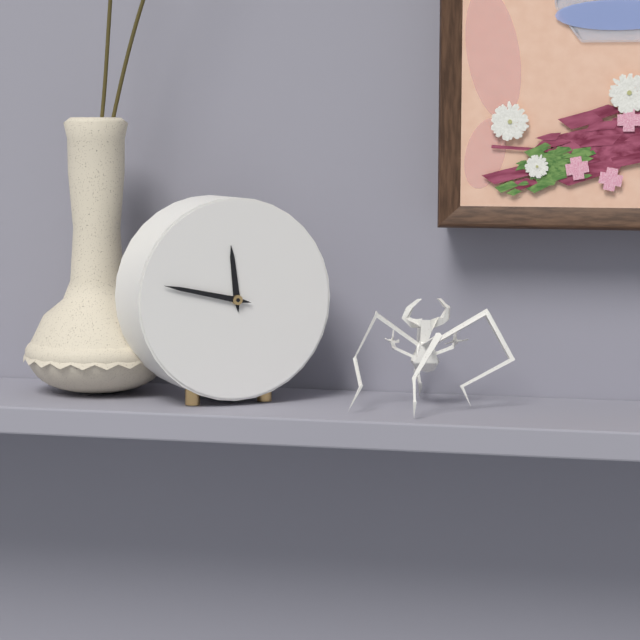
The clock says h=11 m=47
